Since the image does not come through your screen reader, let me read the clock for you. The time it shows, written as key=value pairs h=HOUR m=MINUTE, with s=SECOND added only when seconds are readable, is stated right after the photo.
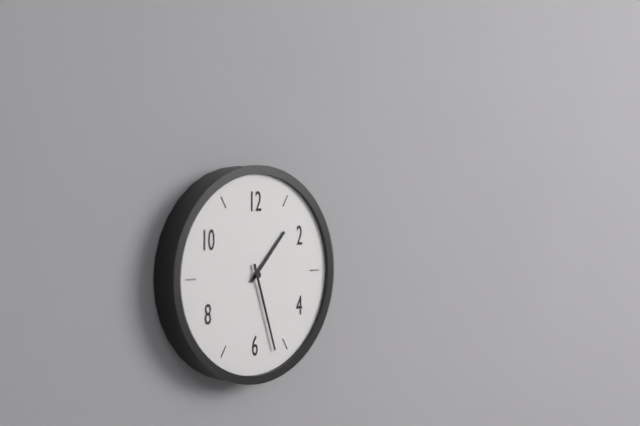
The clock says h=1 m=27
